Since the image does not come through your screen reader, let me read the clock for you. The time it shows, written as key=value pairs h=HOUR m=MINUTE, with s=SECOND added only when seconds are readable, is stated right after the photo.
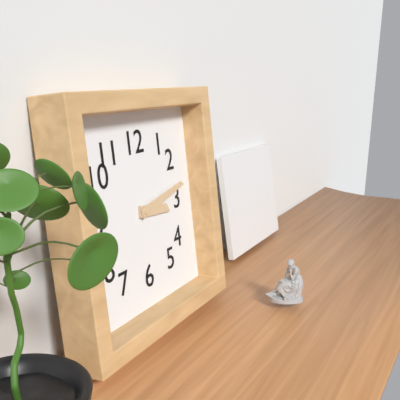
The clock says h=3 m=13
